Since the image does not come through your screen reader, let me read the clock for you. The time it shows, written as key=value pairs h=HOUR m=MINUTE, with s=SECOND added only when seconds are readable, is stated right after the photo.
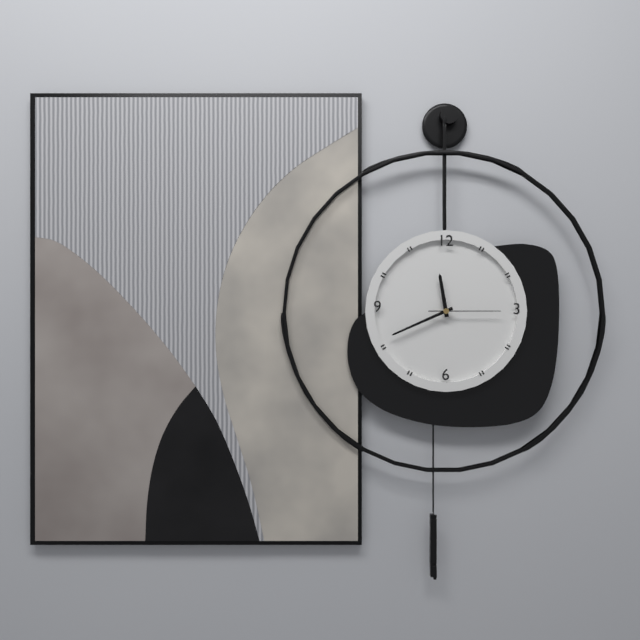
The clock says h=11 m=41 s=15
